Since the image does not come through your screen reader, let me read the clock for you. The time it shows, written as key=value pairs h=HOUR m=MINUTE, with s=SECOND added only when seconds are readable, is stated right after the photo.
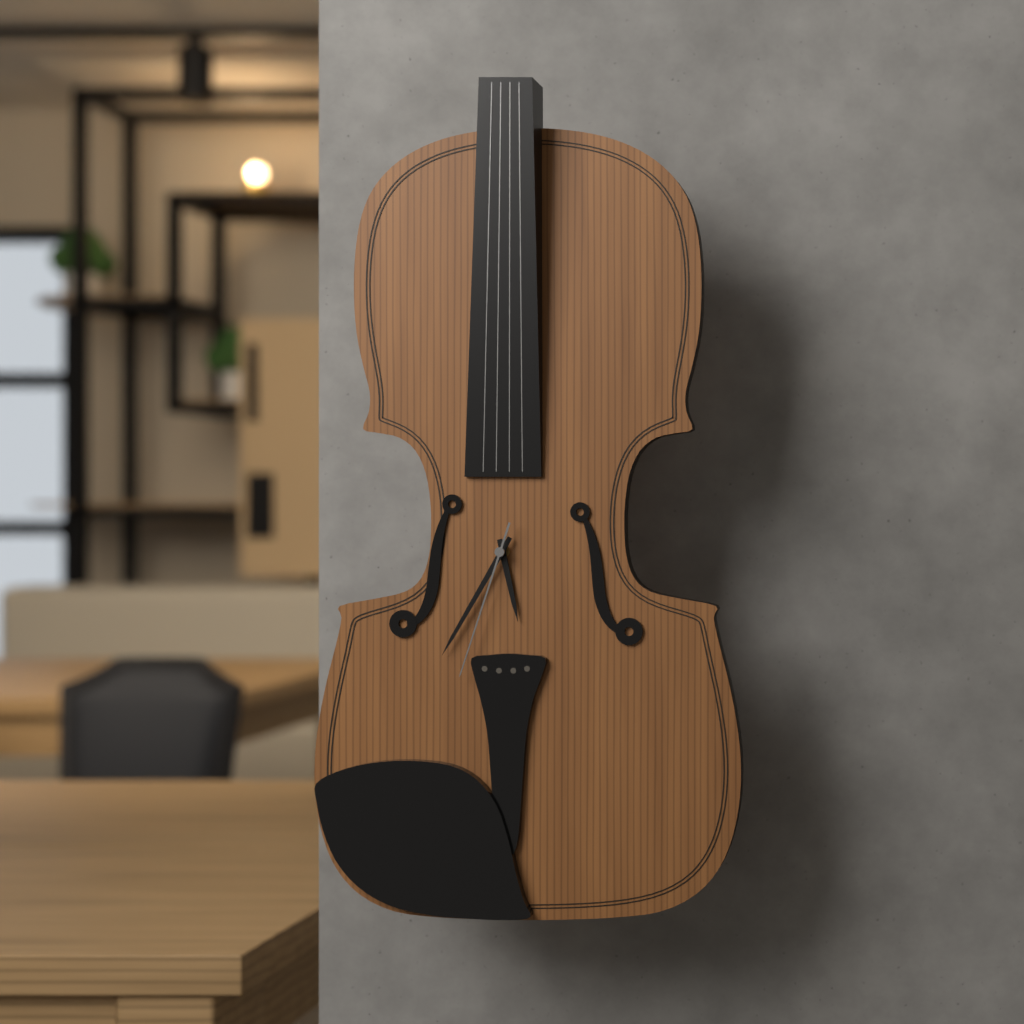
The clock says h=5 m=35 s=33
